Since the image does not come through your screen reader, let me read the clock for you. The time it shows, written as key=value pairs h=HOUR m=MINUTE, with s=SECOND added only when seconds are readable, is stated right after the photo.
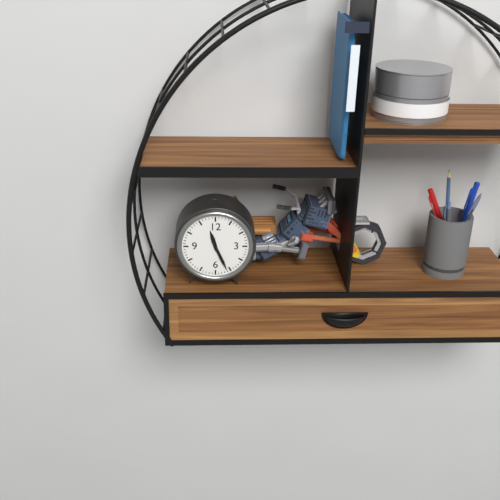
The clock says h=11 m=26
